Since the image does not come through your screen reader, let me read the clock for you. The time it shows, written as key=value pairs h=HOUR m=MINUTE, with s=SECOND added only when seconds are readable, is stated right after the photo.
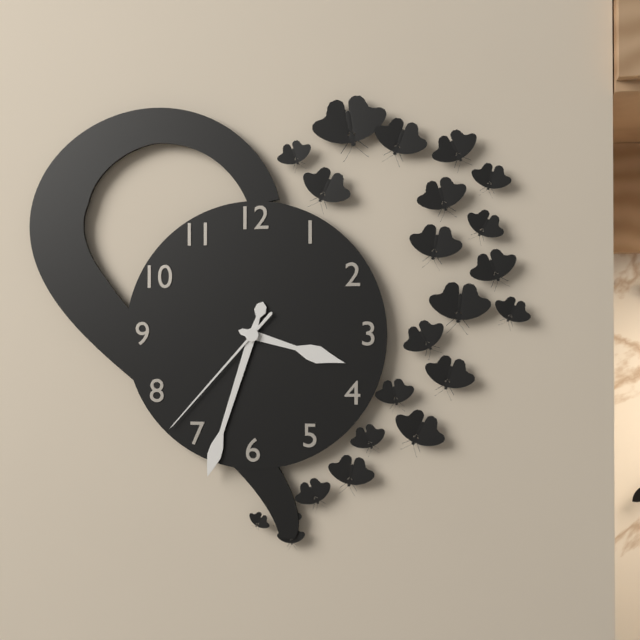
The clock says h=3 m=33 s=37
